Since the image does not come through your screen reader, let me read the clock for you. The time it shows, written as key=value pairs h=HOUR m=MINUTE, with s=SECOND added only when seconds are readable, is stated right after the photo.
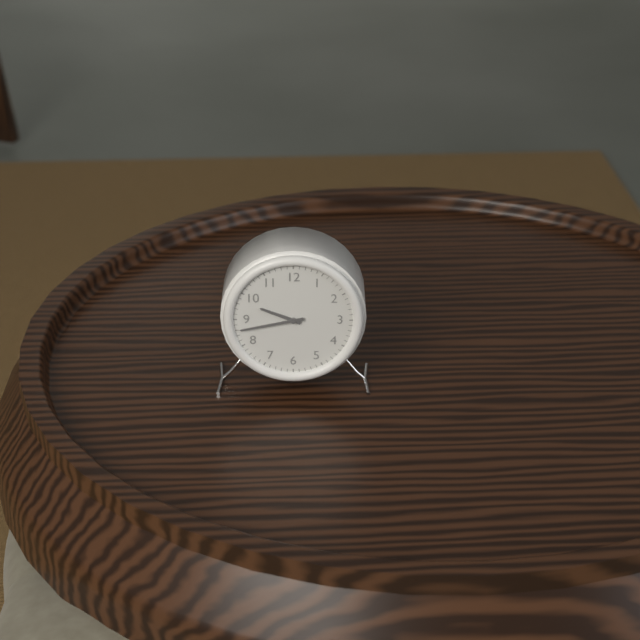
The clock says h=9 m=43
